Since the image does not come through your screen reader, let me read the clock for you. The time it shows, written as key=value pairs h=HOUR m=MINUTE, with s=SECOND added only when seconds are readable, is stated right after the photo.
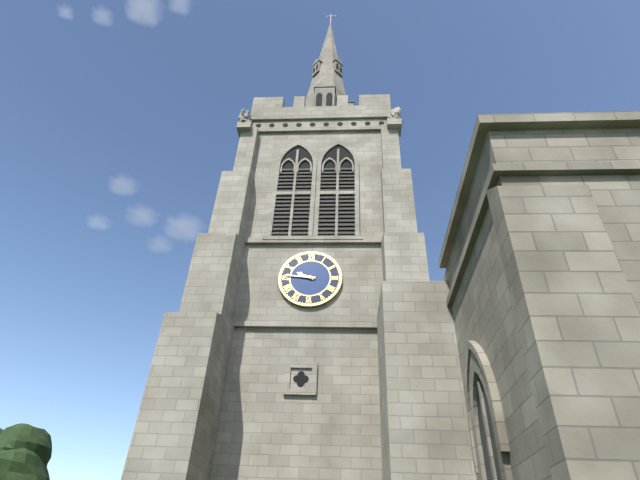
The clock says h=9 m=46
